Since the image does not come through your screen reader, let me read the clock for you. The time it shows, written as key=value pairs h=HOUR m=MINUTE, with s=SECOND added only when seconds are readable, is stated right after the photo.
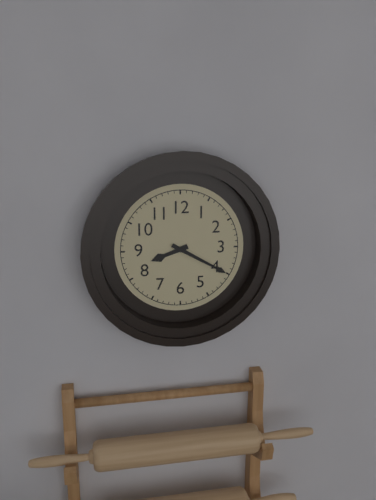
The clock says h=8 m=20
